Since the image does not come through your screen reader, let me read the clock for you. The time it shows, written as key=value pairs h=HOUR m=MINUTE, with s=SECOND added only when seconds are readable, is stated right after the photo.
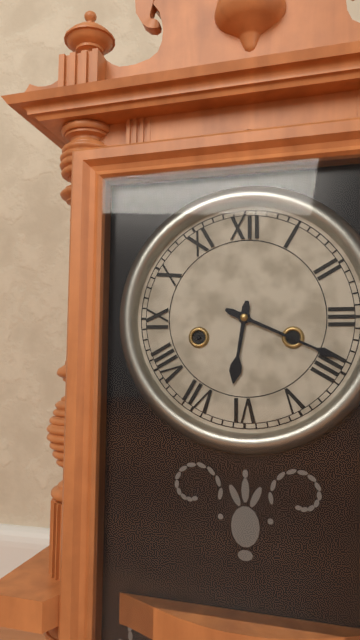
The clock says h=6 m=19
